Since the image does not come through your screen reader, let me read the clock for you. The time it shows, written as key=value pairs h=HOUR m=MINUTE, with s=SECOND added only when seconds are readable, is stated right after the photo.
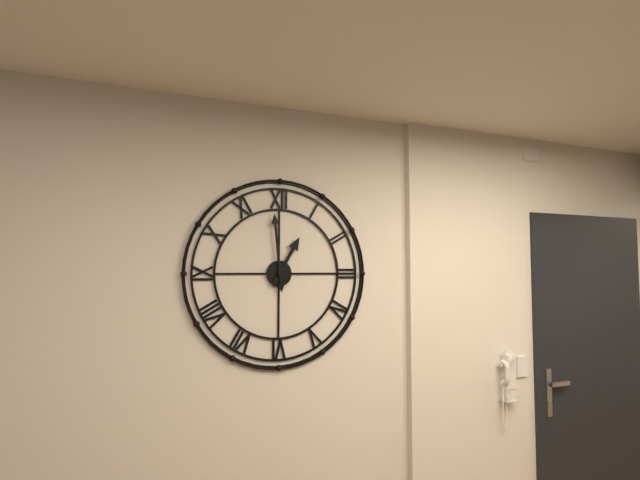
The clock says h=12 m=59
